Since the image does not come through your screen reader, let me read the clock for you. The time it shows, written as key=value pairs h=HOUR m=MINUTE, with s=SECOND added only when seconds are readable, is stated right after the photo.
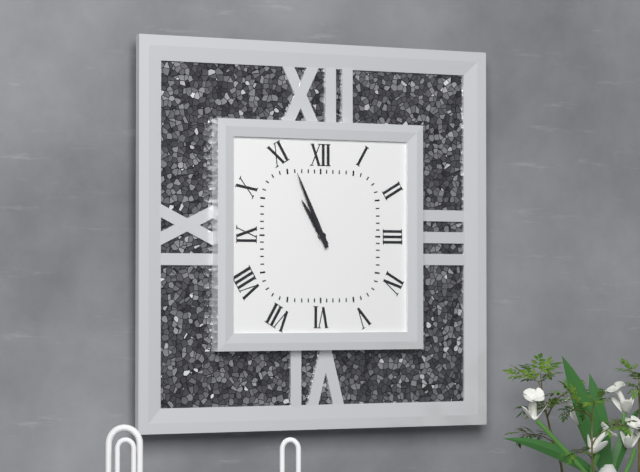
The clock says h=10 m=56
